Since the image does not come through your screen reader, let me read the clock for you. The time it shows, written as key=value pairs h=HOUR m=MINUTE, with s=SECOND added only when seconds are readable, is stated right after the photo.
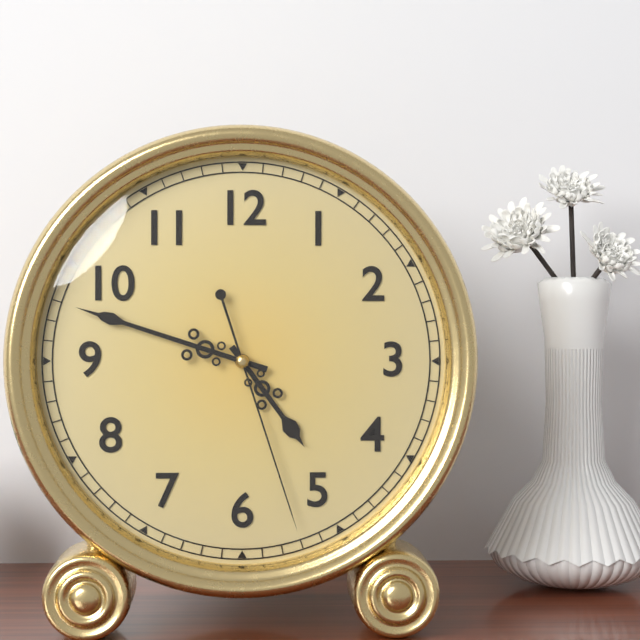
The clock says h=4 m=48 s=27
